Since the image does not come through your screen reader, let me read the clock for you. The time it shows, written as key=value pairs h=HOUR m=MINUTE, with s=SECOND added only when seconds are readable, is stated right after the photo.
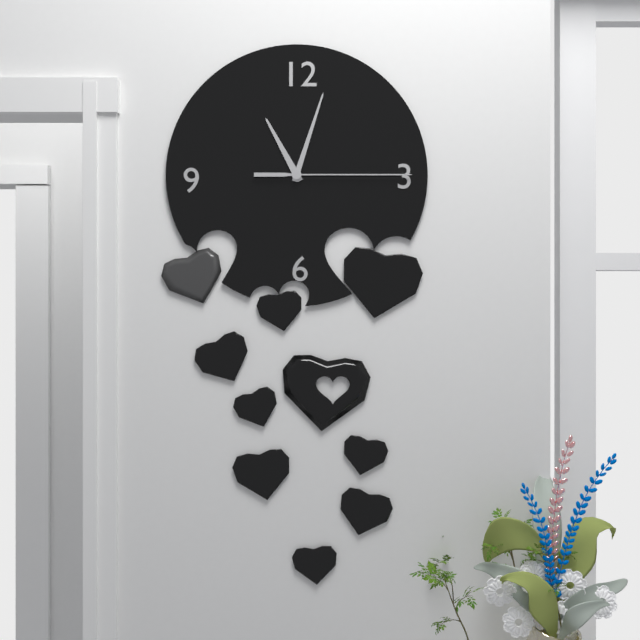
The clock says h=11 m=3 s=15
